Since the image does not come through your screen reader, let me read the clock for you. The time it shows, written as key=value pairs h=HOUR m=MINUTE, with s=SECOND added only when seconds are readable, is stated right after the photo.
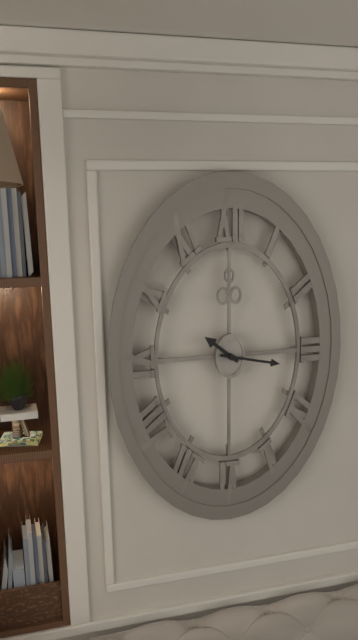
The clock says h=10 m=17
